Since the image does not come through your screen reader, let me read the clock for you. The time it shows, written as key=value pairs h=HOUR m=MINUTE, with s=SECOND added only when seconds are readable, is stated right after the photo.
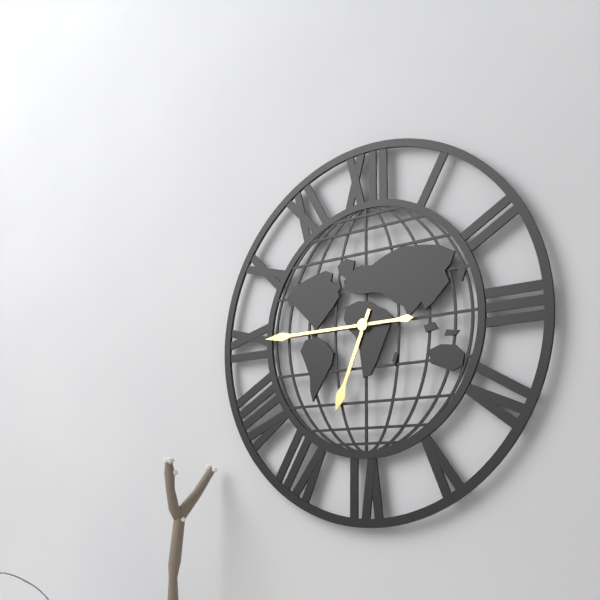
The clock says h=6 m=45
